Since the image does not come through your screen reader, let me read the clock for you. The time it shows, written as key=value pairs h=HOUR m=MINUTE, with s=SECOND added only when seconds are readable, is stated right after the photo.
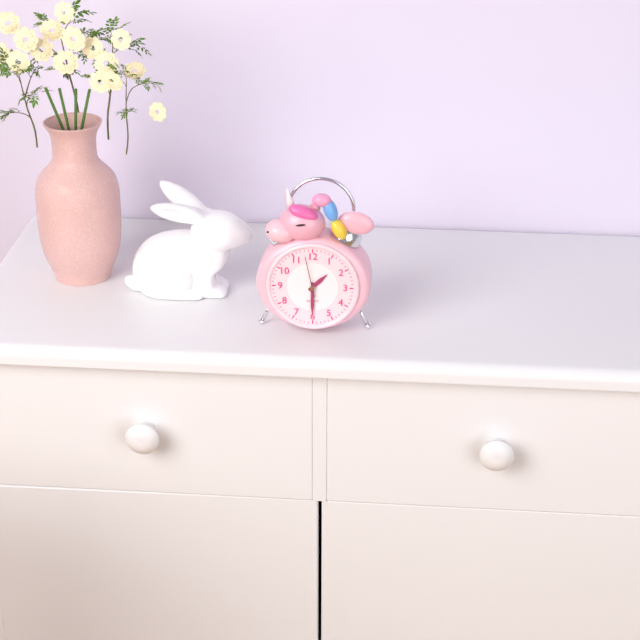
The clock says h=1 m=30
